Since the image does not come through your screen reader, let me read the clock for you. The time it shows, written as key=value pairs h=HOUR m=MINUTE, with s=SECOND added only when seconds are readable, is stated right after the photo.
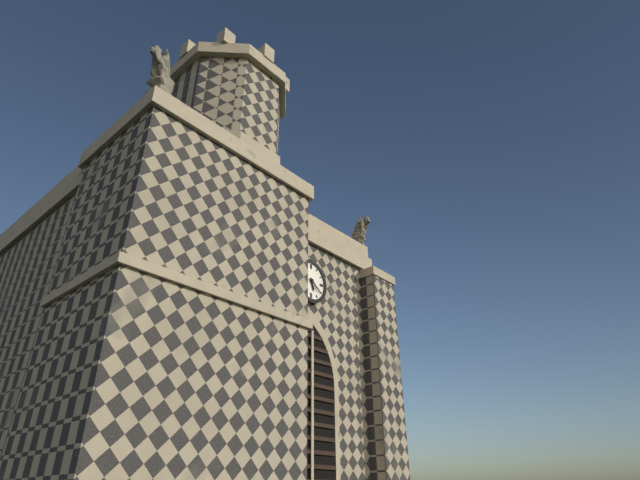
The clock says h=5 m=21
